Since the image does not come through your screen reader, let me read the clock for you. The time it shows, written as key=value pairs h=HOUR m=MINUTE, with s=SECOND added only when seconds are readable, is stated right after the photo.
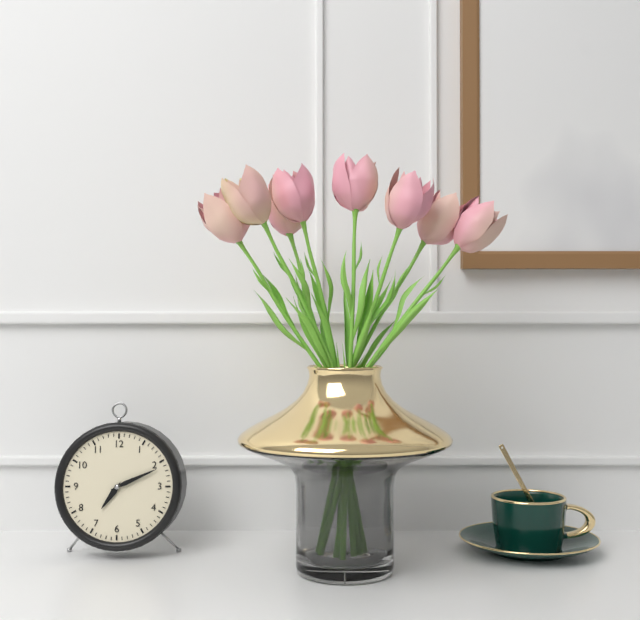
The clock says h=7 m=11
